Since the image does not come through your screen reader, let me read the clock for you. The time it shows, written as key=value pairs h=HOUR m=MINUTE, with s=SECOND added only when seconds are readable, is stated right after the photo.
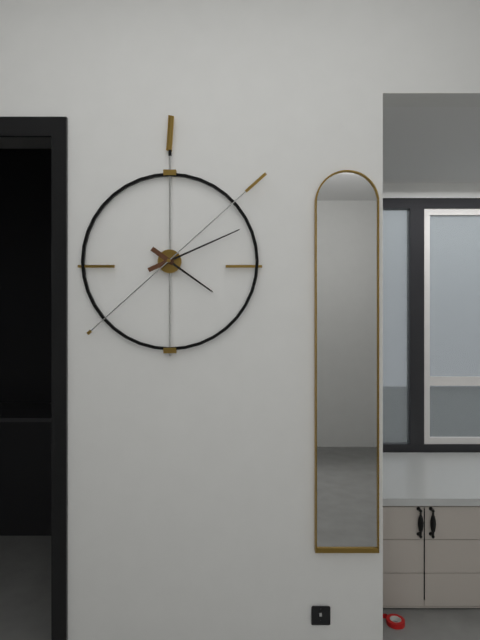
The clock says h=4 m=11 s=8
